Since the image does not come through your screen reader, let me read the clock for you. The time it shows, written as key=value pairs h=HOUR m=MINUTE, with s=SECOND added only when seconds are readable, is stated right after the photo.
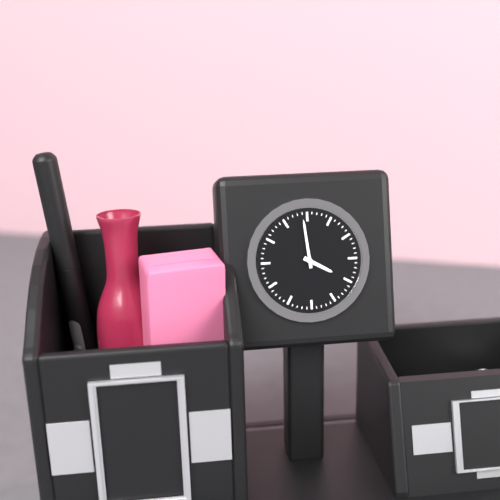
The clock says h=3 m=59
